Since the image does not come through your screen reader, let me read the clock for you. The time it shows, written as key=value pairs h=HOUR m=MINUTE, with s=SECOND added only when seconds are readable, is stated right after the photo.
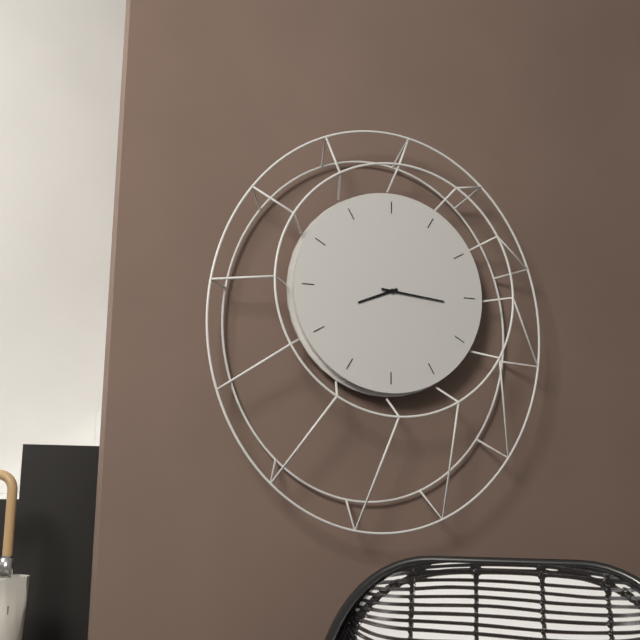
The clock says h=8 m=16
